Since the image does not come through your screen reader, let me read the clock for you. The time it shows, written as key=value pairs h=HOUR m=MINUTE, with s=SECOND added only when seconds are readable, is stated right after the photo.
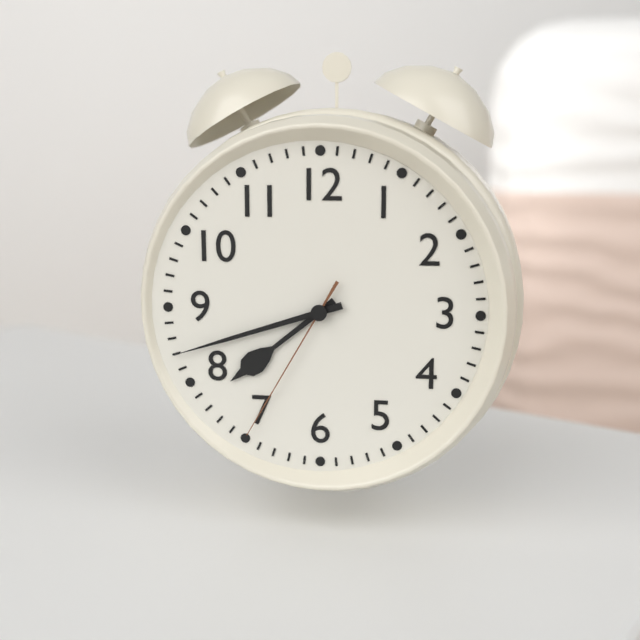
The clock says h=7 m=42 s=35
